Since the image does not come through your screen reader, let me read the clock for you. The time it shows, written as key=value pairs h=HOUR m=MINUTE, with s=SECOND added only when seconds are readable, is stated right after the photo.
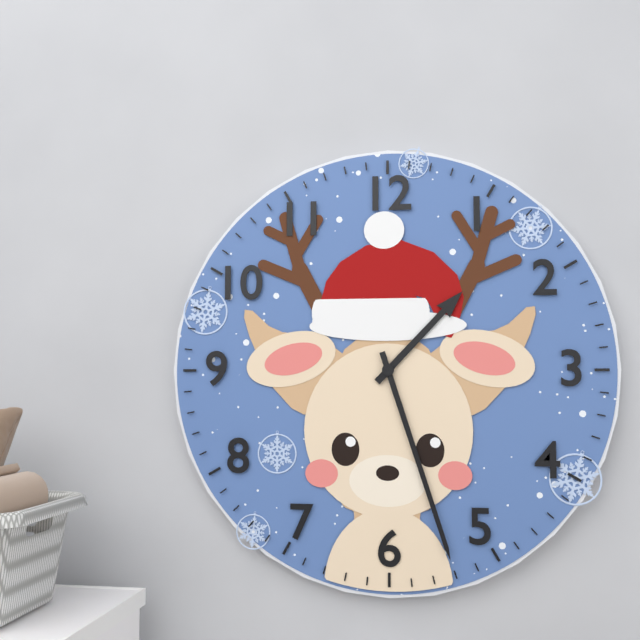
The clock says h=1 m=27
